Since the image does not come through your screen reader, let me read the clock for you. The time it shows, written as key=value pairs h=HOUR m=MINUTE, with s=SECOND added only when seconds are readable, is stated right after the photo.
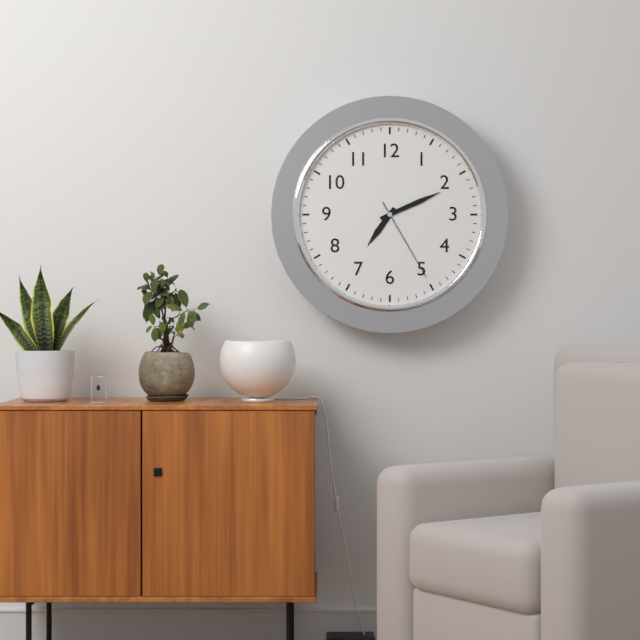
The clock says h=7 m=11 s=25
